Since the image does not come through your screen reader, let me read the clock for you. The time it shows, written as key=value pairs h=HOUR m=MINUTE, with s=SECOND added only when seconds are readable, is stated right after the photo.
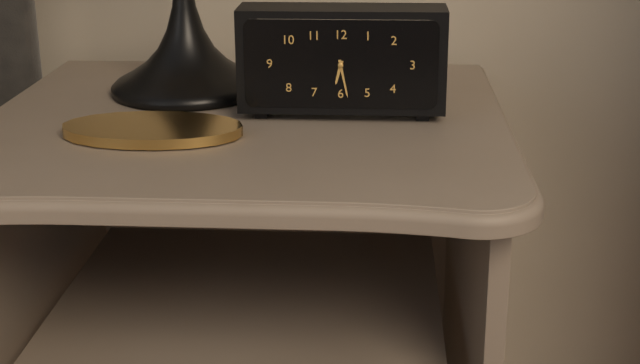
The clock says h=6 m=28
